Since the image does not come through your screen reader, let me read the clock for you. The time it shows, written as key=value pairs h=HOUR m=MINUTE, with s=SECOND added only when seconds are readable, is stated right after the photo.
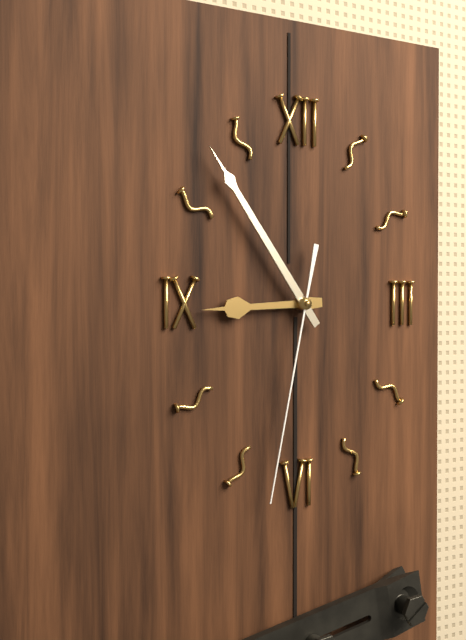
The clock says h=8 m=54 s=32
